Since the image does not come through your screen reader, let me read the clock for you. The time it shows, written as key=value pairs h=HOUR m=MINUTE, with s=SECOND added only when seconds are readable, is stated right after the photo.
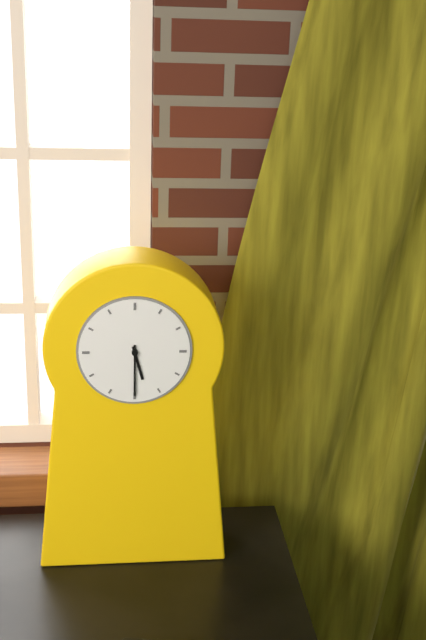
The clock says h=5 m=30
